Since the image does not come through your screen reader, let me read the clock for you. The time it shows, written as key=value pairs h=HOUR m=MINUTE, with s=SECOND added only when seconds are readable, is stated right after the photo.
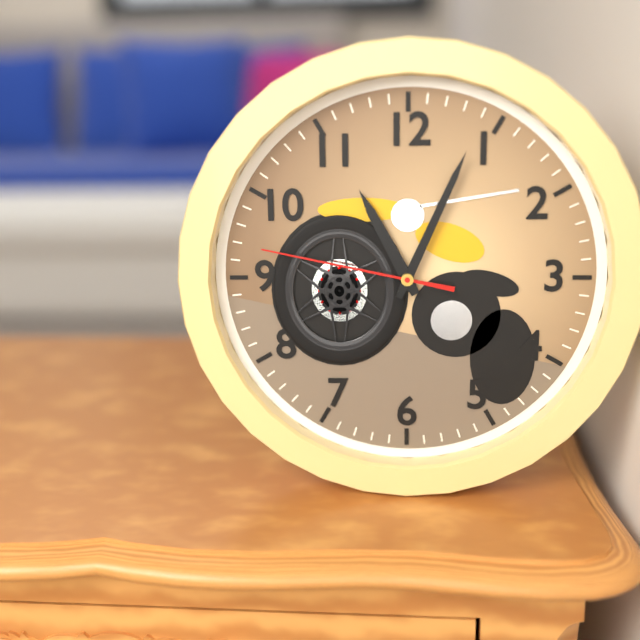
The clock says h=11 m=4 s=47
